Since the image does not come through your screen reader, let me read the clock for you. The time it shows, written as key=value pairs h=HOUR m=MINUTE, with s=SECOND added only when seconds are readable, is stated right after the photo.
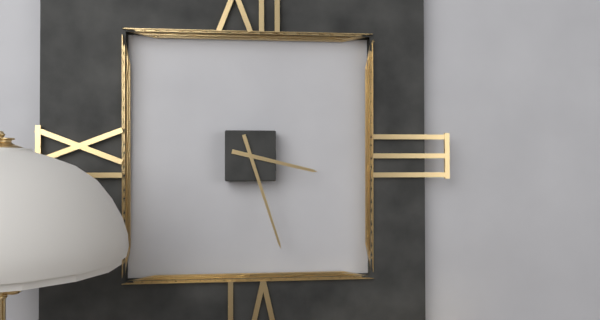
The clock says h=3 m=27
